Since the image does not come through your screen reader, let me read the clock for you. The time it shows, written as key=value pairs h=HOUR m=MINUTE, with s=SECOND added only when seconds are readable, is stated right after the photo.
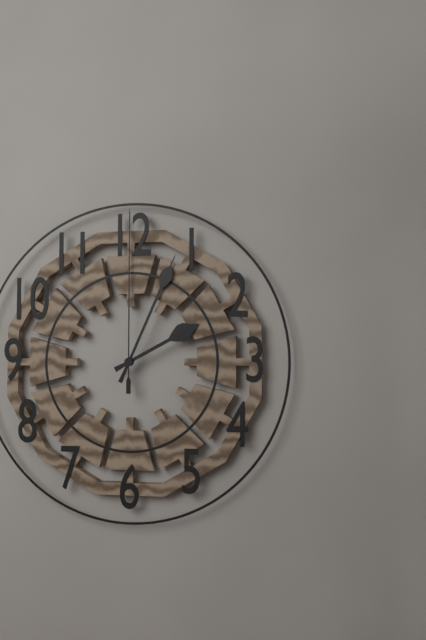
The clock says h=2 m=4 s=0
